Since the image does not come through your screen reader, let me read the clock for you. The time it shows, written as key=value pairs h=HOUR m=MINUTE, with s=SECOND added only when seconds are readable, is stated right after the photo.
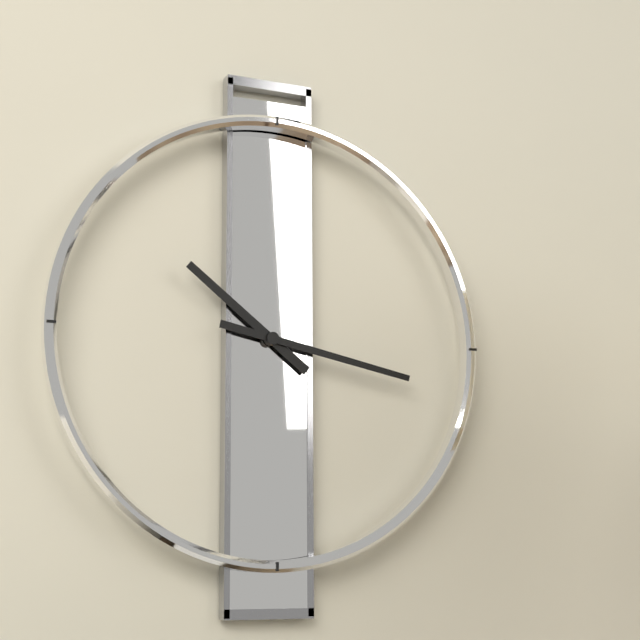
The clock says h=10 m=17
